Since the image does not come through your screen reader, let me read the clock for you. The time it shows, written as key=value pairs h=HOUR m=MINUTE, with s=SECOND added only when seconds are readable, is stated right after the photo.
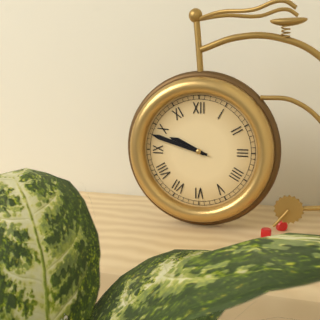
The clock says h=9 m=48
